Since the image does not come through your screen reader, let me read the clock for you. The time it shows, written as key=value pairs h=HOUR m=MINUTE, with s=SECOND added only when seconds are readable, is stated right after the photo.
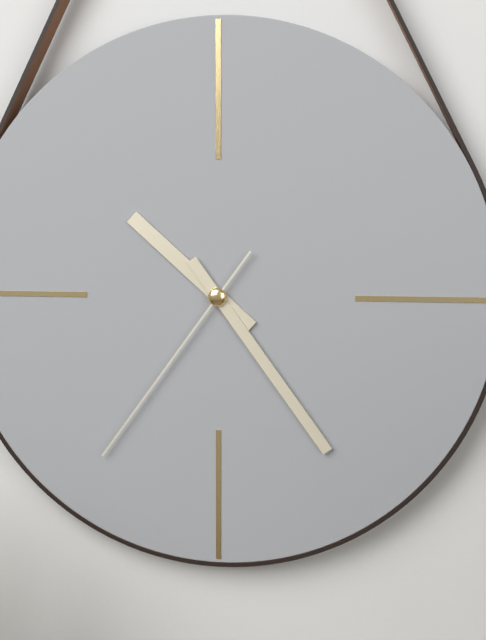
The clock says h=10 m=24 s=36
